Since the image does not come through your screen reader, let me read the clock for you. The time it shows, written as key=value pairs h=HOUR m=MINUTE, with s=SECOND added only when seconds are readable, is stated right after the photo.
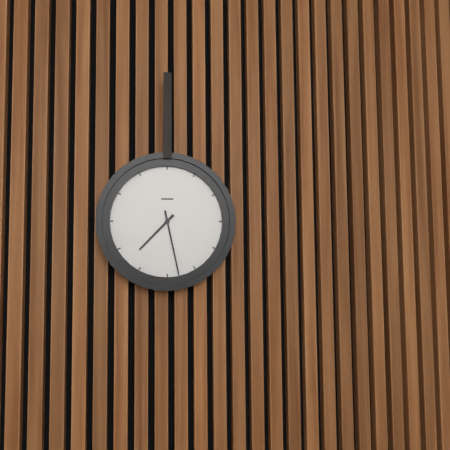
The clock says h=7 m=28
